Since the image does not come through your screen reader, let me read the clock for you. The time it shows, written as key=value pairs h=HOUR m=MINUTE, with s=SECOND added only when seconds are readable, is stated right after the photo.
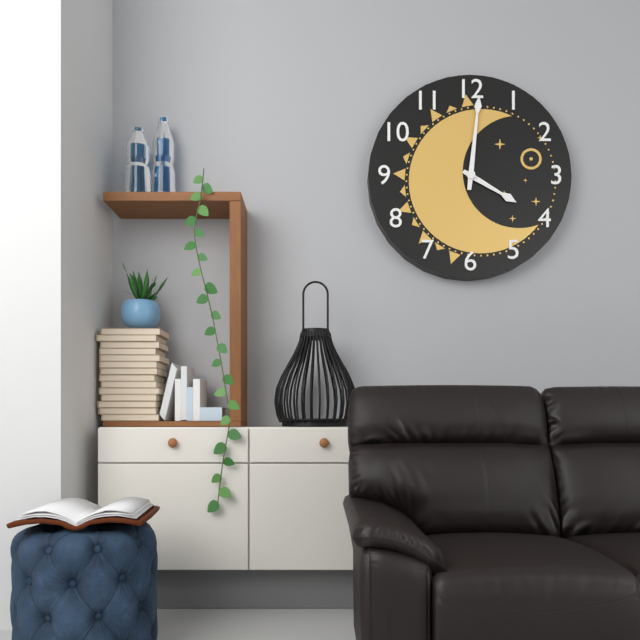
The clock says h=4 m=1
